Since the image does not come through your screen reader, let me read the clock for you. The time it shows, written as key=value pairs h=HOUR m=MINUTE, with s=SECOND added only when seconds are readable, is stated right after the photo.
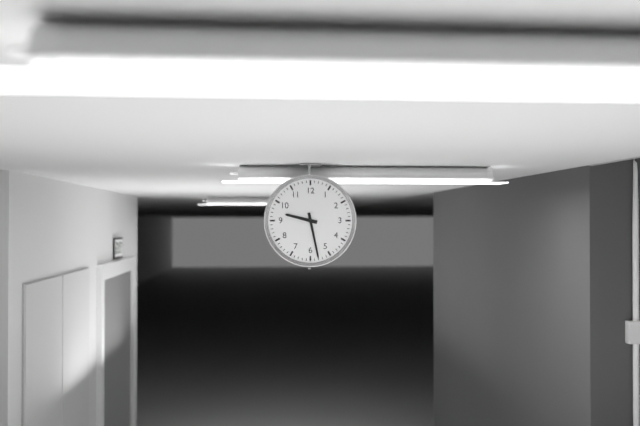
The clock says h=9 m=28
